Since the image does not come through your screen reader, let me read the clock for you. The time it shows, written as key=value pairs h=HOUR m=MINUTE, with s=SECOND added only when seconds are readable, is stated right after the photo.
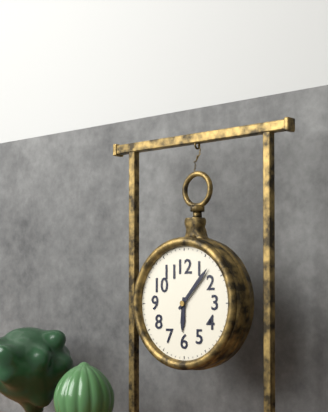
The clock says h=6 m=7
